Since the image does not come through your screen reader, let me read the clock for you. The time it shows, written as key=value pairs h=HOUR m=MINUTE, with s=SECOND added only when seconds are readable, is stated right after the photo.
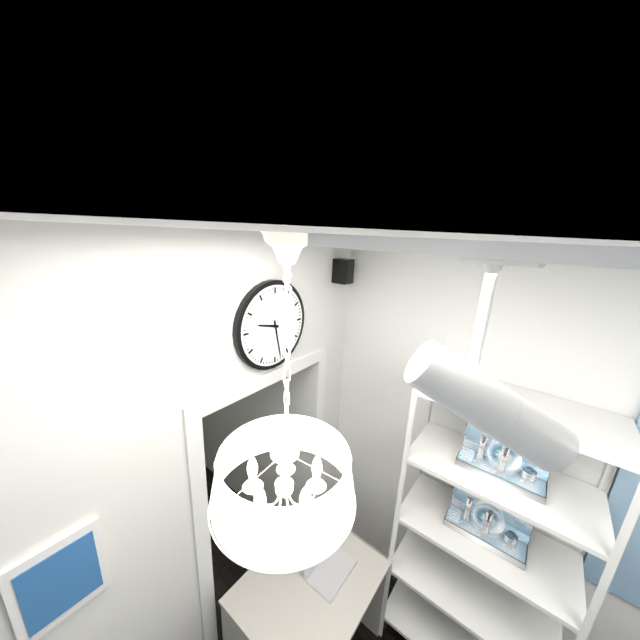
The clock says h=9 m=28
